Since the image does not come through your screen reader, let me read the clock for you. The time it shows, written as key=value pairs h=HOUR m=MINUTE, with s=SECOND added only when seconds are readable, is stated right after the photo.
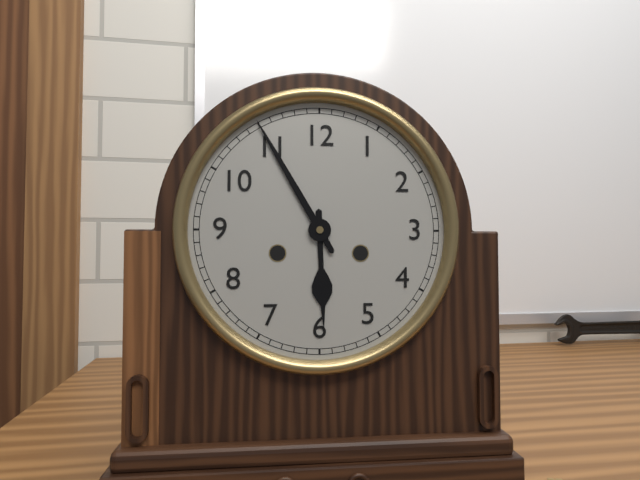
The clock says h=5 m=55
